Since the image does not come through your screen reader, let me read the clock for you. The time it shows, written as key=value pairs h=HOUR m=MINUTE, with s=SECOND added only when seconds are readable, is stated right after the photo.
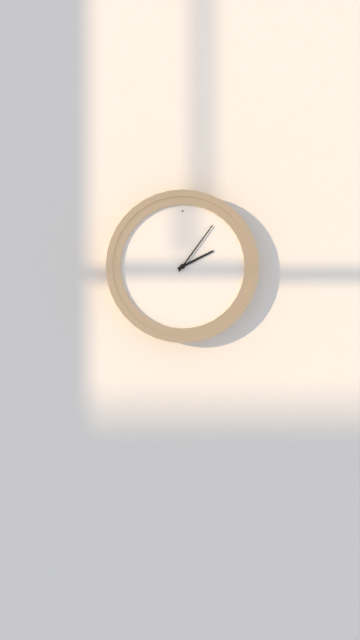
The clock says h=2 m=6
